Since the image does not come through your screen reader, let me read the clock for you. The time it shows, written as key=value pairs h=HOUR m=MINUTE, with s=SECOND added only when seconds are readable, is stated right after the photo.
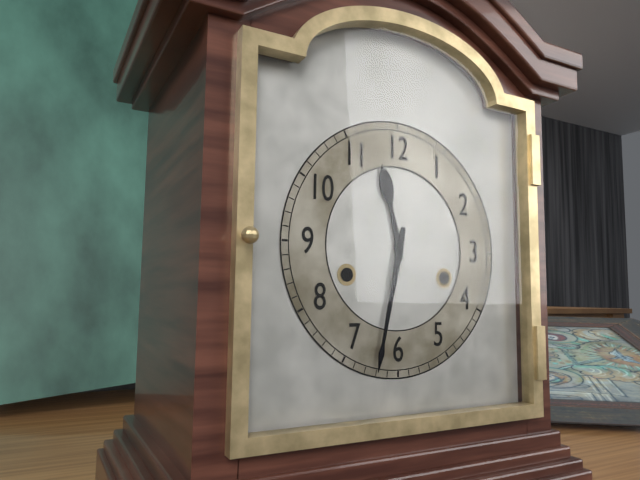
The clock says h=11 m=32
